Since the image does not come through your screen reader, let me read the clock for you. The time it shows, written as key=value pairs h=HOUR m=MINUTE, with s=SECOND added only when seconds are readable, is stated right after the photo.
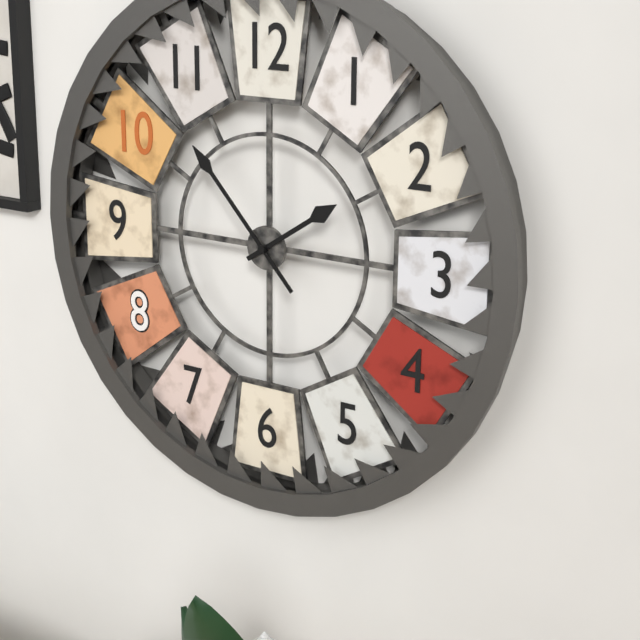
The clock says h=1 m=53
